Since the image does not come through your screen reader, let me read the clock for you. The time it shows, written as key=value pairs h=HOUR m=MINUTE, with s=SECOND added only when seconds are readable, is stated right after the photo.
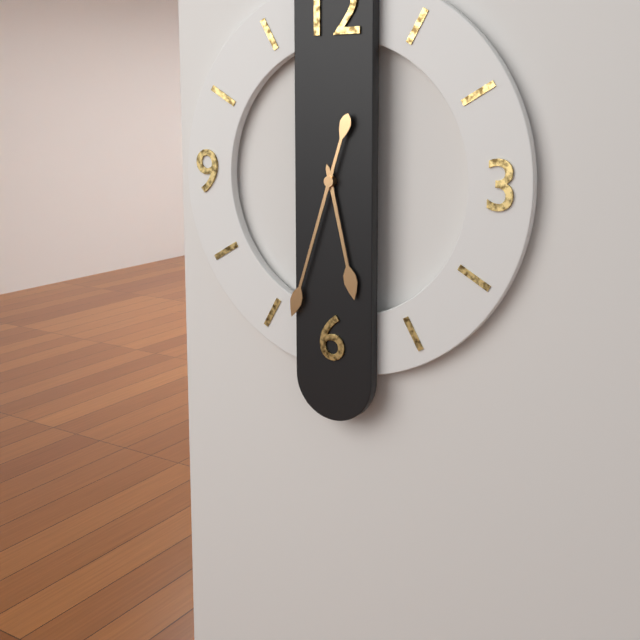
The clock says h=5 m=33
